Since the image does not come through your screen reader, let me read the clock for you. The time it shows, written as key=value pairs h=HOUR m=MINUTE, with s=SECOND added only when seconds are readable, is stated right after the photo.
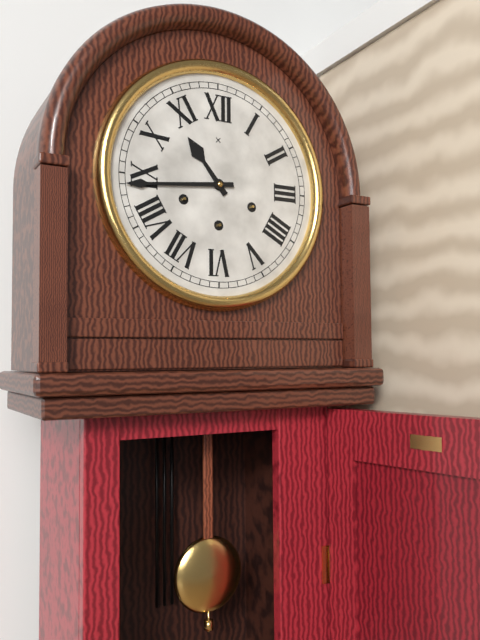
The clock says h=10 m=44
